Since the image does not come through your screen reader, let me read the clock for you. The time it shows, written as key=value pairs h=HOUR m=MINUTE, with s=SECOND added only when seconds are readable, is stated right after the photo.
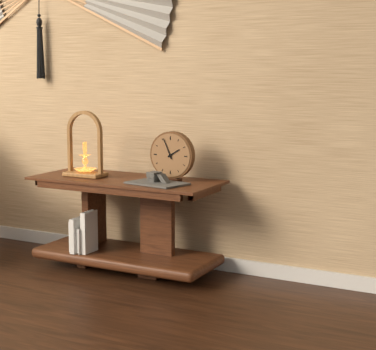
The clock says h=1 m=56
